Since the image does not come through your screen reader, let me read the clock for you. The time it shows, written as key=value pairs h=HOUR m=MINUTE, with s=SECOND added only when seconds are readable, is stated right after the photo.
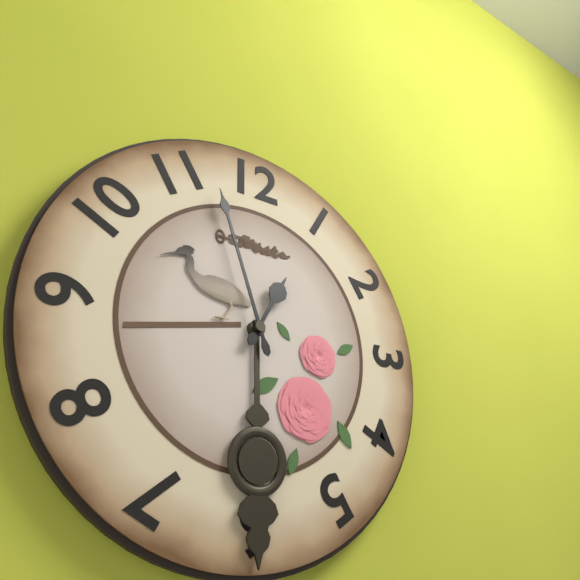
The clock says h=12 m=57
